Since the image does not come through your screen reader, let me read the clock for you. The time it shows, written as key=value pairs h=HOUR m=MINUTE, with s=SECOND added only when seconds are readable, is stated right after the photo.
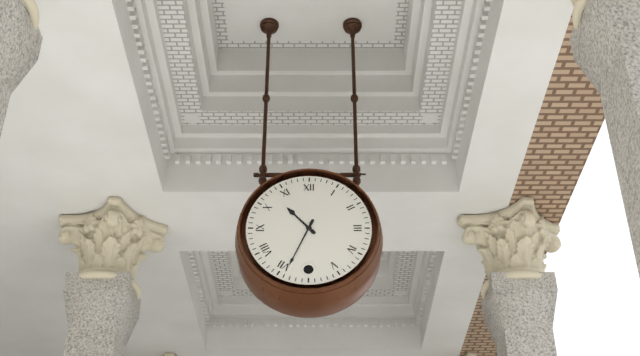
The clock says h=10 m=34
